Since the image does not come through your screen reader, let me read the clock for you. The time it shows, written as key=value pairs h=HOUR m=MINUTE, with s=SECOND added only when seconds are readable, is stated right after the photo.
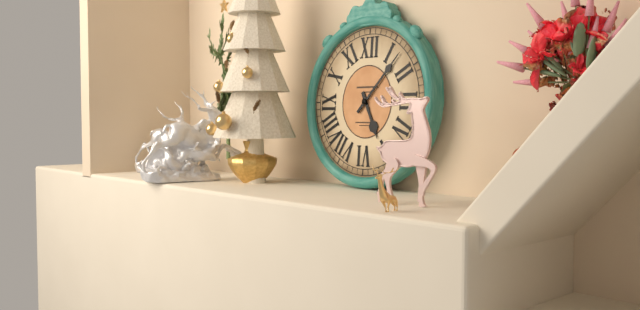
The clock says h=5 m=7
